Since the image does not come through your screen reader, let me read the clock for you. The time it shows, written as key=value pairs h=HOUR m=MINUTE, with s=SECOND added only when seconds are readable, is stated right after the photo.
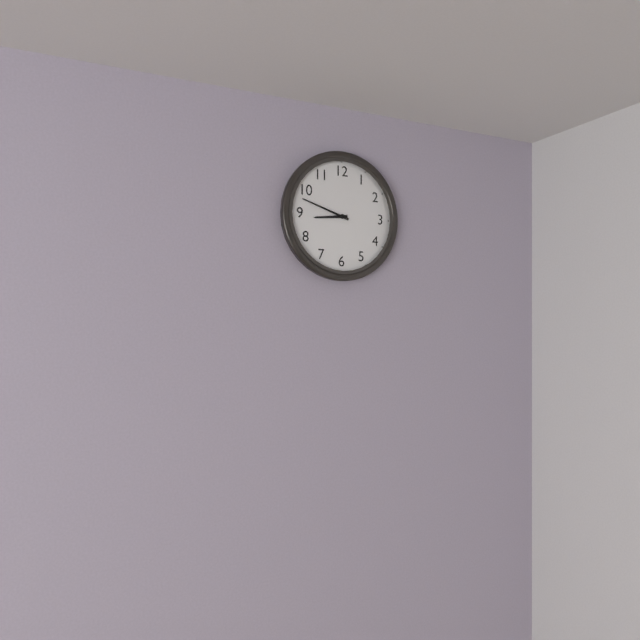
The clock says h=8 m=48
